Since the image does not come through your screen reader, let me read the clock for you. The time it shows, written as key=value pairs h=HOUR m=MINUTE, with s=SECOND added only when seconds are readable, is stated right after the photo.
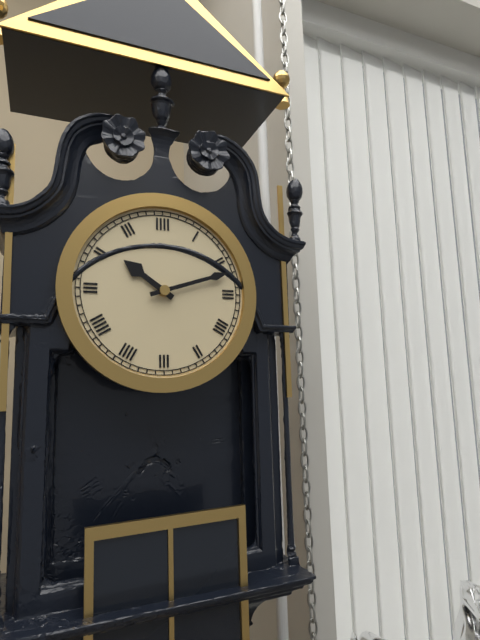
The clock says h=10 m=12
